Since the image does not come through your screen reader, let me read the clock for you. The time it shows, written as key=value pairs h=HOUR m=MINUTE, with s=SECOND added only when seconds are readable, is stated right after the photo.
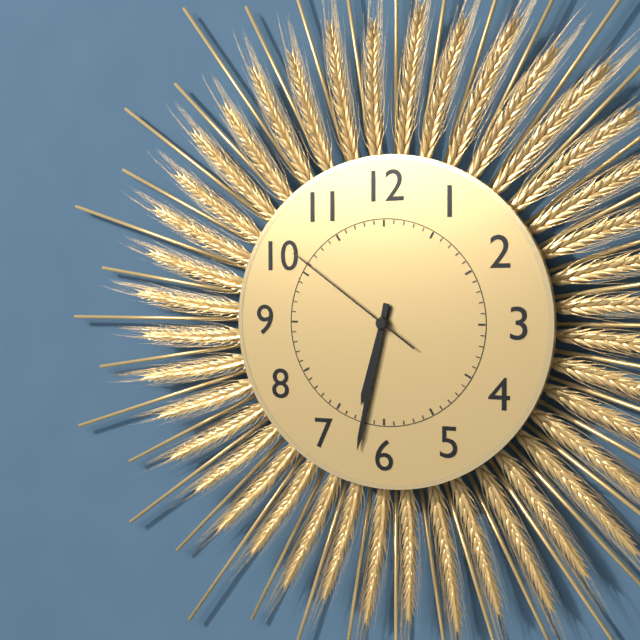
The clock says h=6 m=32 s=51
